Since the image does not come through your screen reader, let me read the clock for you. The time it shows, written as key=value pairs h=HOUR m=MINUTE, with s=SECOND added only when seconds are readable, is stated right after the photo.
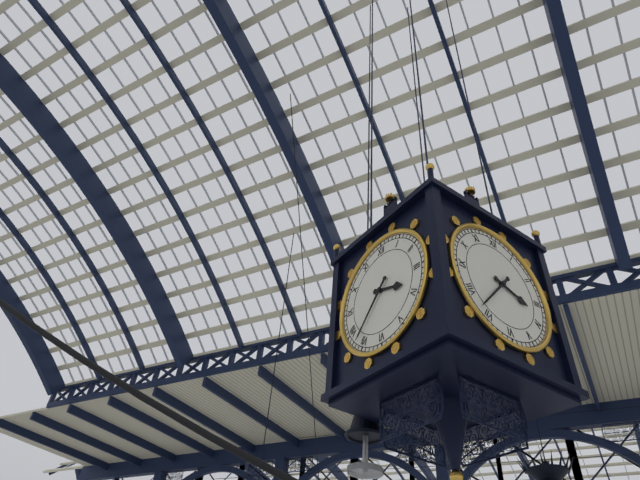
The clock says h=3 m=37
